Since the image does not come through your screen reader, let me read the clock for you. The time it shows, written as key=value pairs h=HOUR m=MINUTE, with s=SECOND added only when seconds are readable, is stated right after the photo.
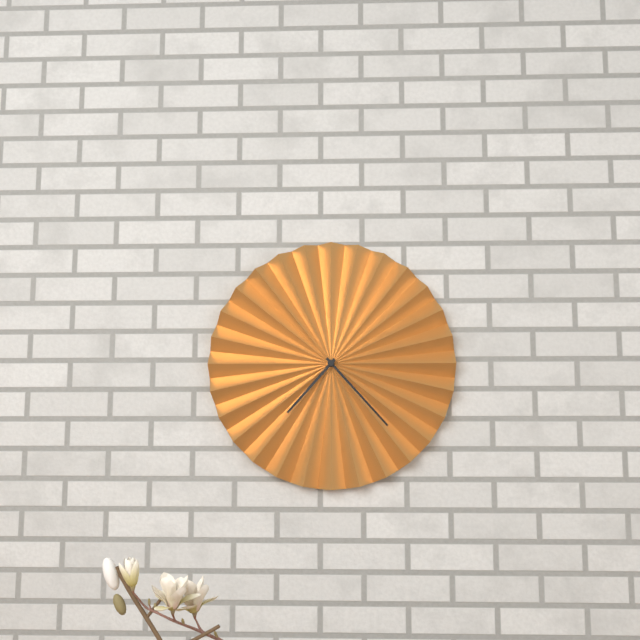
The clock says h=7 m=23
